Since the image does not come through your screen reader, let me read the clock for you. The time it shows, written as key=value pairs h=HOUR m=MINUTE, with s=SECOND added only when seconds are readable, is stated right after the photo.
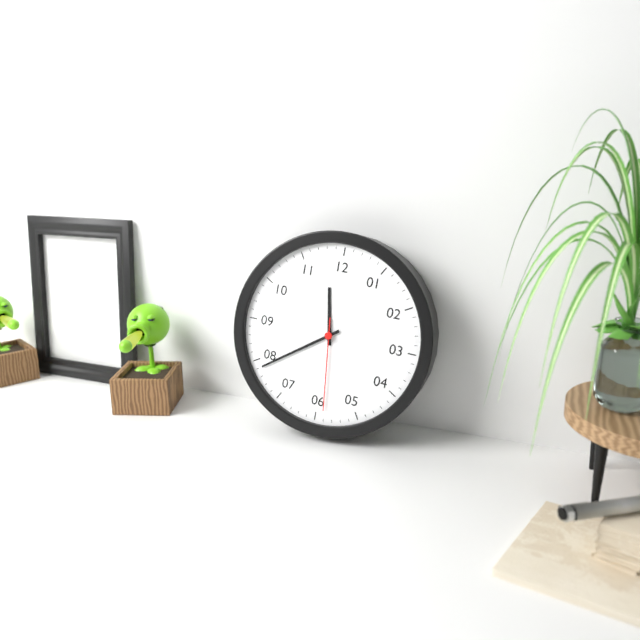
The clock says h=11 m=39 s=29
